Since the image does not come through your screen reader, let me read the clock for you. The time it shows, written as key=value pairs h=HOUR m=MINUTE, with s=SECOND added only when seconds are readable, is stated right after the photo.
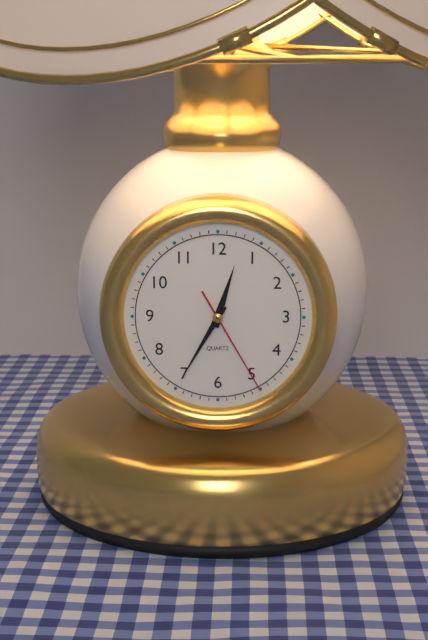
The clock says h=12 m=35 s=25
